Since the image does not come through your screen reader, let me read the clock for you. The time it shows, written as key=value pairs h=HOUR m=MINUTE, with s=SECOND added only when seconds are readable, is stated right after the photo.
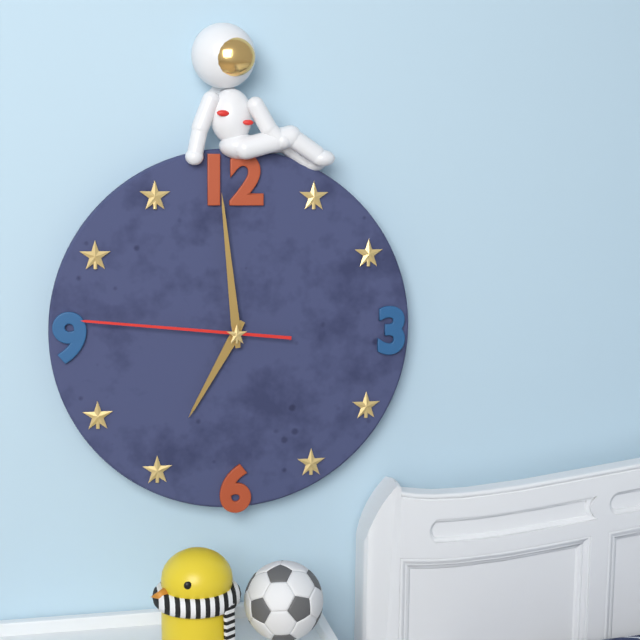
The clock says h=6 m=59 s=46
